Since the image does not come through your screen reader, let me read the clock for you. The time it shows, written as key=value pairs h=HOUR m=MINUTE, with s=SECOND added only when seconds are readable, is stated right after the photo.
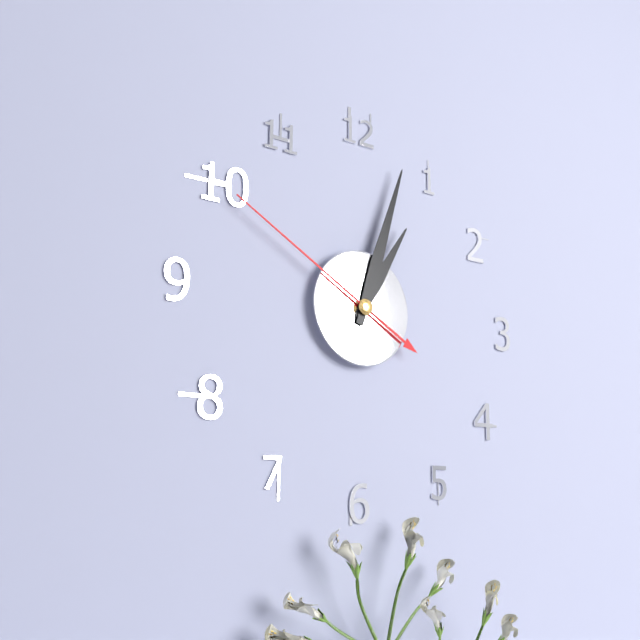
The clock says h=1 m=3 s=50
